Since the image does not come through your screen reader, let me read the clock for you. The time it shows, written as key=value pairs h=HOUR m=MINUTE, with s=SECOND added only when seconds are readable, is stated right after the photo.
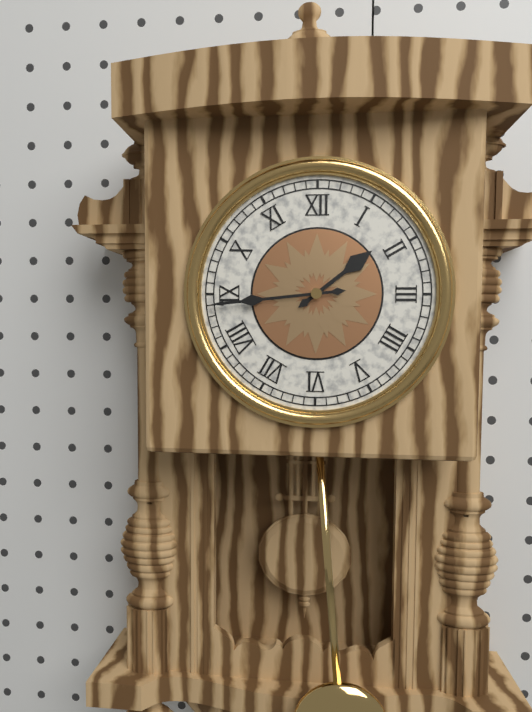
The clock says h=1 m=44
